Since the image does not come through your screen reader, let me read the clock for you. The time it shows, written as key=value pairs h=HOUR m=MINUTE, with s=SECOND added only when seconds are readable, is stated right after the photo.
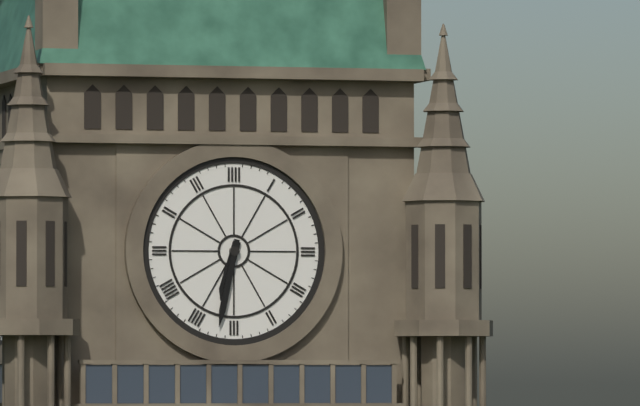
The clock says h=6 m=32
